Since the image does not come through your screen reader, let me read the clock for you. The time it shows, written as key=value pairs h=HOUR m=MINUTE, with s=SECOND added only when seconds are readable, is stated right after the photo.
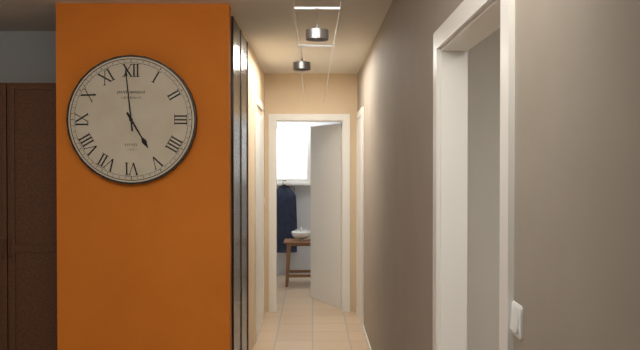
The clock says h=4 m=59
